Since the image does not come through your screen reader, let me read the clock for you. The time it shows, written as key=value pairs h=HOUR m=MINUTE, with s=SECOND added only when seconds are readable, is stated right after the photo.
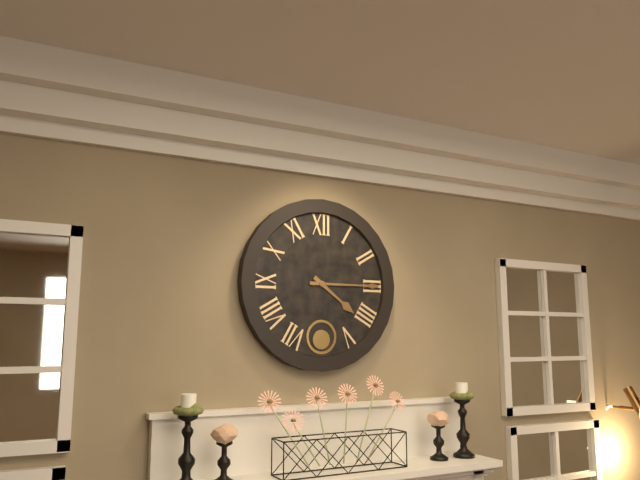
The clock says h=4 m=15
